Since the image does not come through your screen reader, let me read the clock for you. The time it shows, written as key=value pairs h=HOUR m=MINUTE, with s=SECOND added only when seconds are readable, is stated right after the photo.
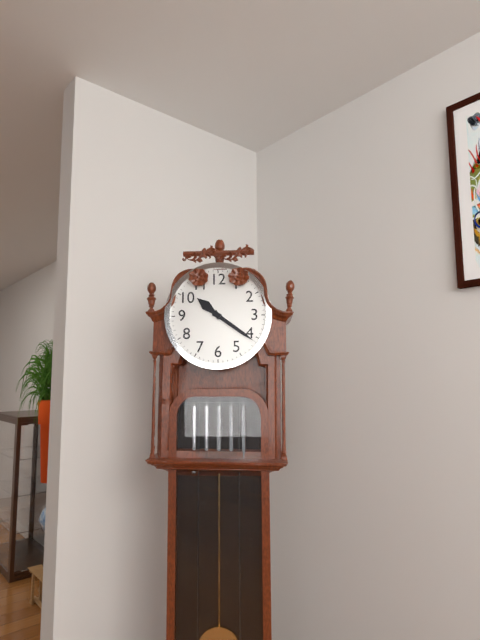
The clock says h=10 m=21
